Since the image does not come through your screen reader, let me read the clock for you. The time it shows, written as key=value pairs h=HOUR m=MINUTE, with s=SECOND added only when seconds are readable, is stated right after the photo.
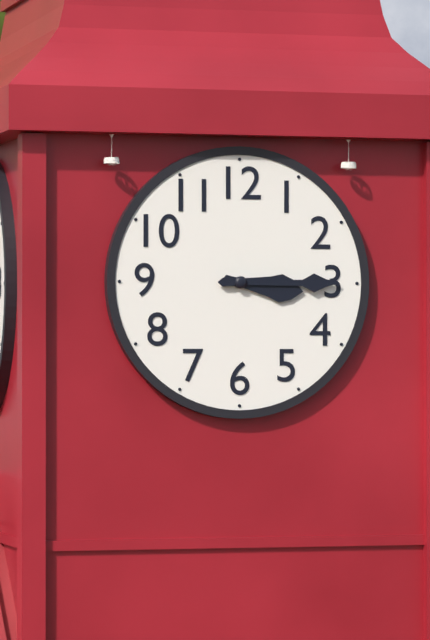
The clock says h=3 m=15
